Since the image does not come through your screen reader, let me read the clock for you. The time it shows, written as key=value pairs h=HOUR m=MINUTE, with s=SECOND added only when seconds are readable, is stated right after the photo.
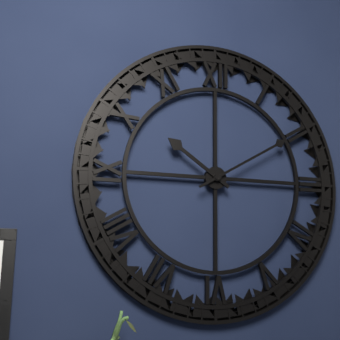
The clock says h=10 m=10
